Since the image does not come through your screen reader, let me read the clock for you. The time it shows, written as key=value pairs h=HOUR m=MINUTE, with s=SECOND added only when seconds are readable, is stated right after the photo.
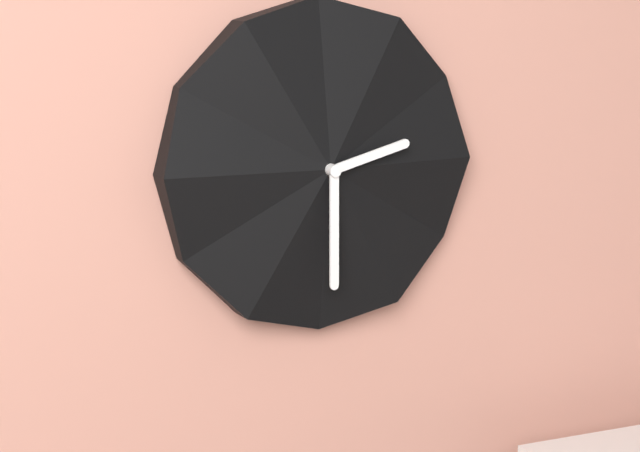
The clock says h=2 m=30
